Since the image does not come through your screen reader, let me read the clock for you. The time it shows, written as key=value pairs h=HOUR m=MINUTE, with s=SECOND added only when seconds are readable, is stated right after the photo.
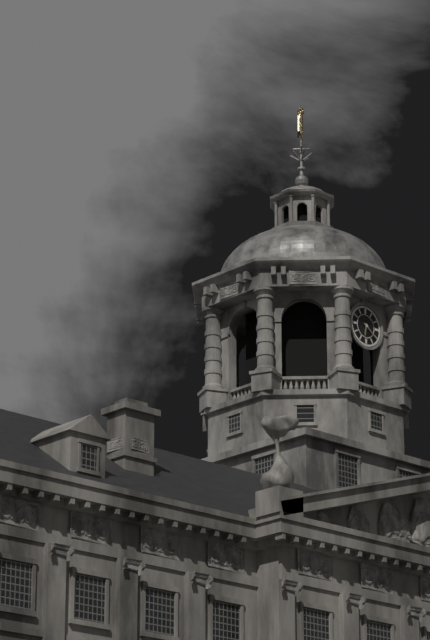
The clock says h=6 m=21
